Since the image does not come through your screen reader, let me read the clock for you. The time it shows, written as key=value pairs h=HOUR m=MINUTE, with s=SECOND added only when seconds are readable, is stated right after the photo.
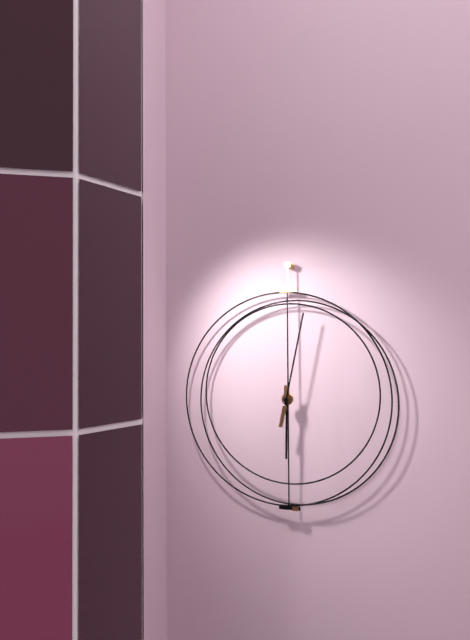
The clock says h=6 m=2
